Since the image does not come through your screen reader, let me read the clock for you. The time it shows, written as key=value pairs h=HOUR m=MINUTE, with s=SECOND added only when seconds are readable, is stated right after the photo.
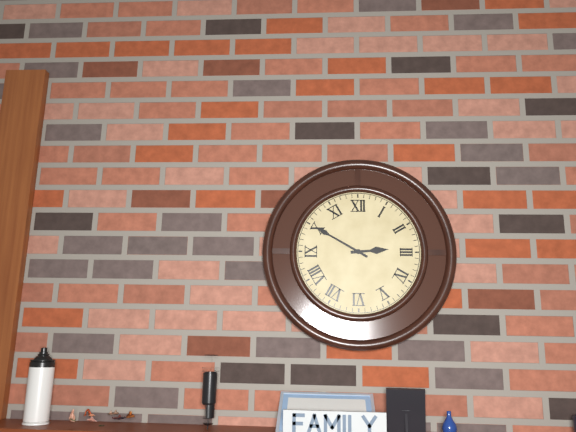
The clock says h=2 m=50
